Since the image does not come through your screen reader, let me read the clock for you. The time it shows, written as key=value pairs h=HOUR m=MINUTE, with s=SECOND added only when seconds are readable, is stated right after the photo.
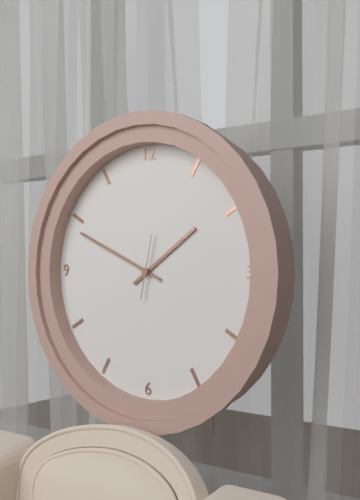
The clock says h=1 m=49
